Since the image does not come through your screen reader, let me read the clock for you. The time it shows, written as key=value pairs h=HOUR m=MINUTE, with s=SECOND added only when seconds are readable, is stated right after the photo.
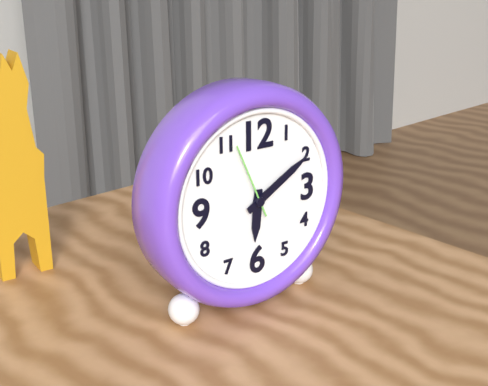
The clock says h=6 m=10 s=56
